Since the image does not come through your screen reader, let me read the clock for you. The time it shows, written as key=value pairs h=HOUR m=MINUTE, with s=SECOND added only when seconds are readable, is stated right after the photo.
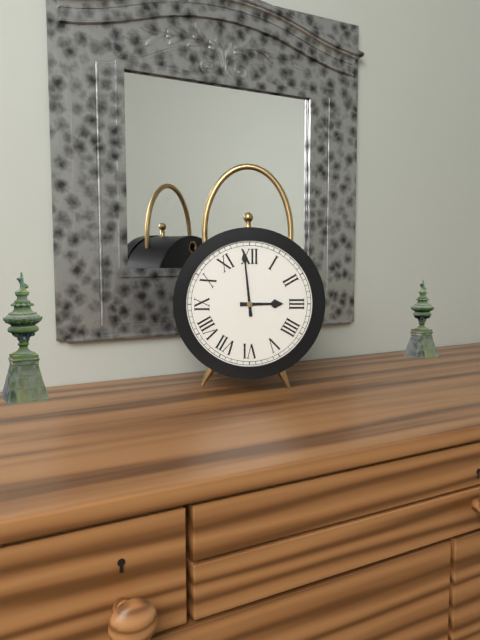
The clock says h=2 m=59
